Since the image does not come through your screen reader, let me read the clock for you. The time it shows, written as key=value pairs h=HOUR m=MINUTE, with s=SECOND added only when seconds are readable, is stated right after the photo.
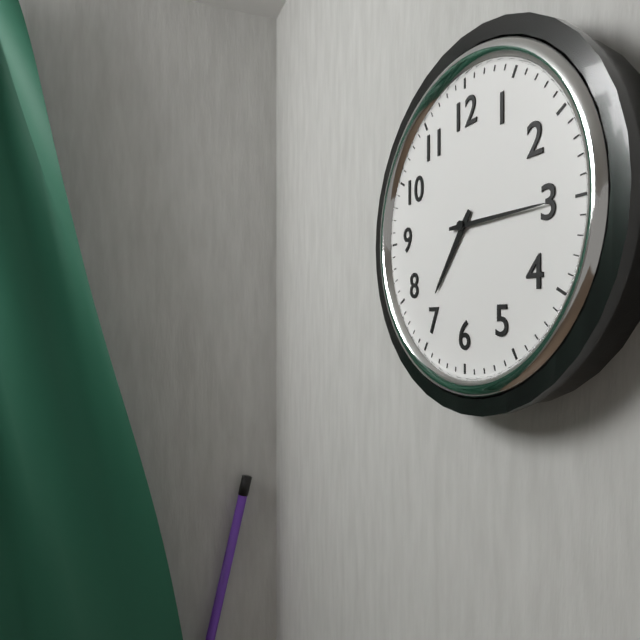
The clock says h=7 m=15
